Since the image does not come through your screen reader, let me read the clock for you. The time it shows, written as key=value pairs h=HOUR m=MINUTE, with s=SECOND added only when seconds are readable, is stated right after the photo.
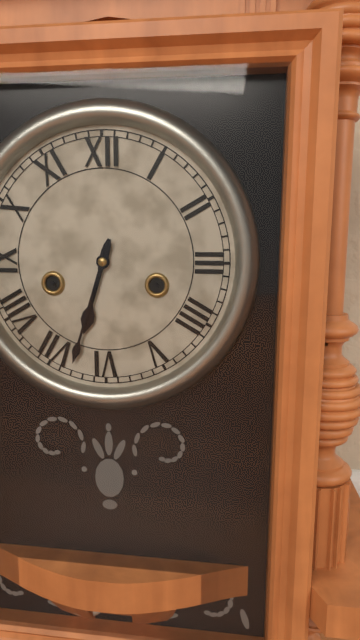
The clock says h=6 m=33
